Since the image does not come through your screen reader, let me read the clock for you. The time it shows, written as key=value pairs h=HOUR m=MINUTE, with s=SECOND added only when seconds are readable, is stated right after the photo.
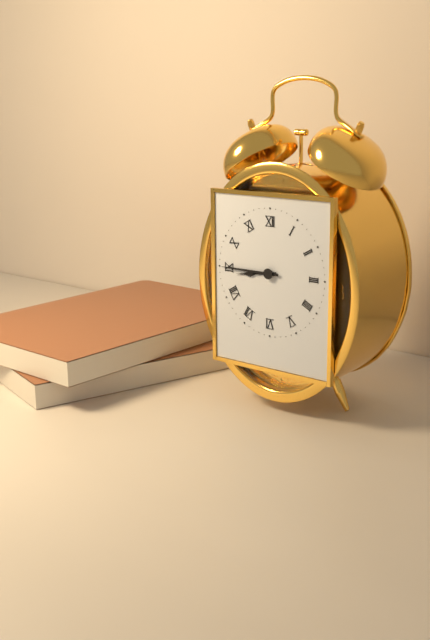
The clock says h=8 m=45
